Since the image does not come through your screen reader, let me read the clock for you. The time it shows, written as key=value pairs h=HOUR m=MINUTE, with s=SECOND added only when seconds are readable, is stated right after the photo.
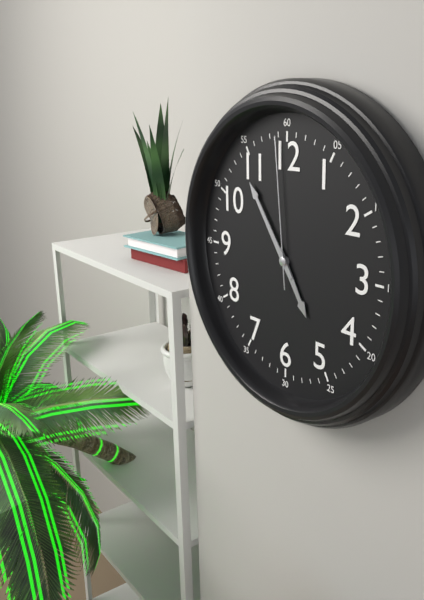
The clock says h=4 m=54 s=59
